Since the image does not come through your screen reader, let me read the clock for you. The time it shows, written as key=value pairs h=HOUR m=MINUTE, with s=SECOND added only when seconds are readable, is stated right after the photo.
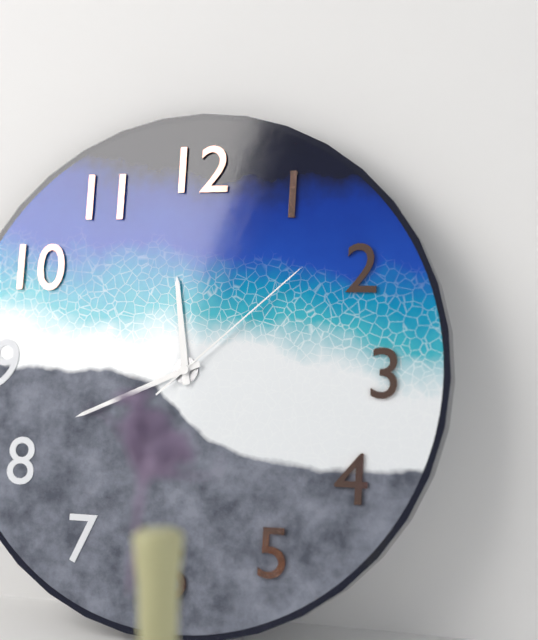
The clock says h=11 m=41 s=8
